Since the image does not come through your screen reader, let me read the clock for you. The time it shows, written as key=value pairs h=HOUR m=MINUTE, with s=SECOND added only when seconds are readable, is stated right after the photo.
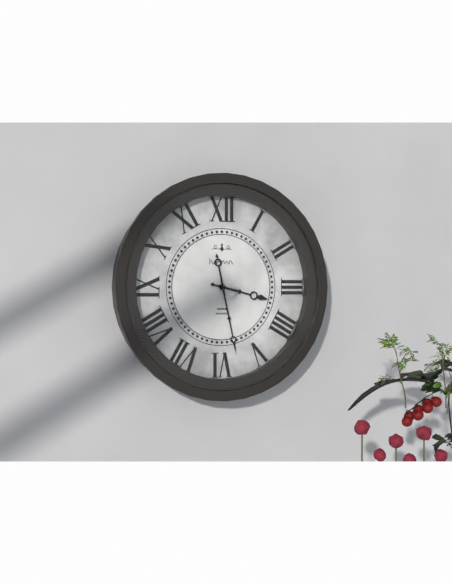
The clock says h=3 m=28
